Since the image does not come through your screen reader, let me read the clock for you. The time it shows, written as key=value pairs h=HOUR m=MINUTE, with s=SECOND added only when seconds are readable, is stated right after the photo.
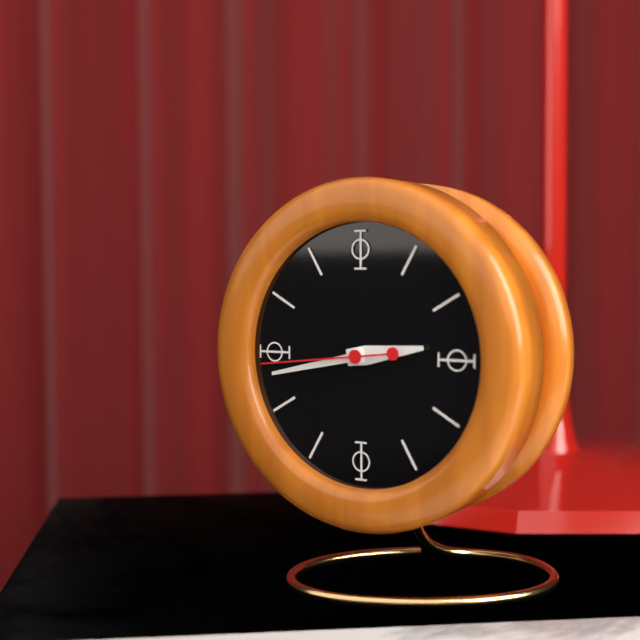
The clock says h=2 m=43 s=44
